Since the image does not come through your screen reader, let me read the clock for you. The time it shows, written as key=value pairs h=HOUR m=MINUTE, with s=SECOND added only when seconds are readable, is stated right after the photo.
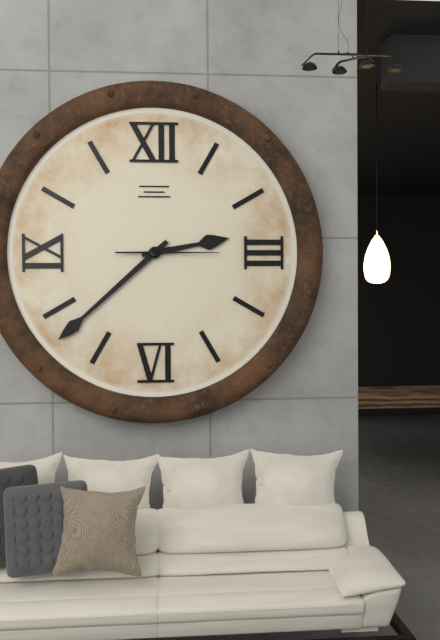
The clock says h=2 m=38 s=15
